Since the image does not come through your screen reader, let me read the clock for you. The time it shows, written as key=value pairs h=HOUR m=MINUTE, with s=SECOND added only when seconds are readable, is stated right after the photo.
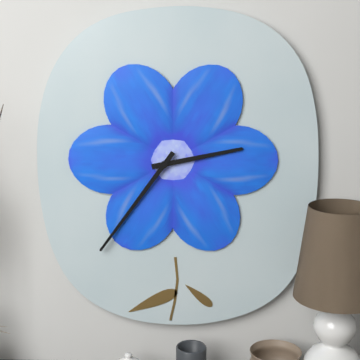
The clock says h=2 m=36
